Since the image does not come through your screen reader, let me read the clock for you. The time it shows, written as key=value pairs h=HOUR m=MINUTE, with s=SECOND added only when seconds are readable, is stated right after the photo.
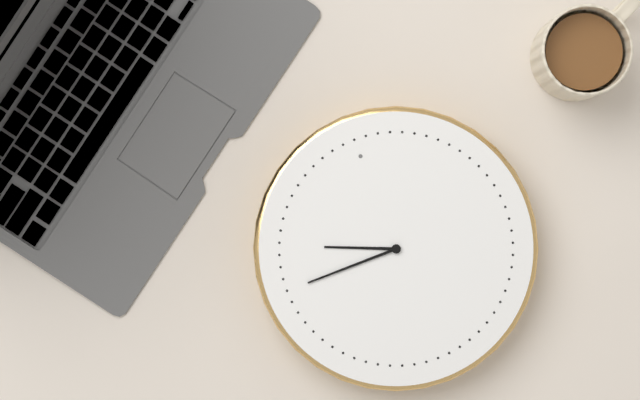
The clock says h=9 m=45
